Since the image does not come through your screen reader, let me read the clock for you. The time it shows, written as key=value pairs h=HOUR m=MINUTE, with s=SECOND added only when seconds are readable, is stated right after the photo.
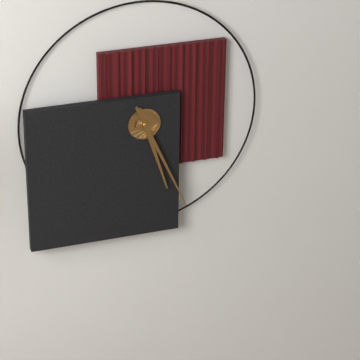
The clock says h=5 m=26
